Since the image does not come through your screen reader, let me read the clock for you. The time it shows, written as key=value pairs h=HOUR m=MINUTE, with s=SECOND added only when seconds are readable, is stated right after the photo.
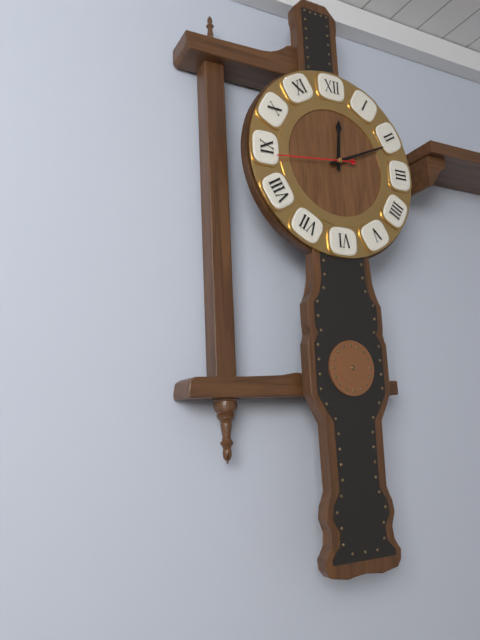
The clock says h=12 m=11 s=44
